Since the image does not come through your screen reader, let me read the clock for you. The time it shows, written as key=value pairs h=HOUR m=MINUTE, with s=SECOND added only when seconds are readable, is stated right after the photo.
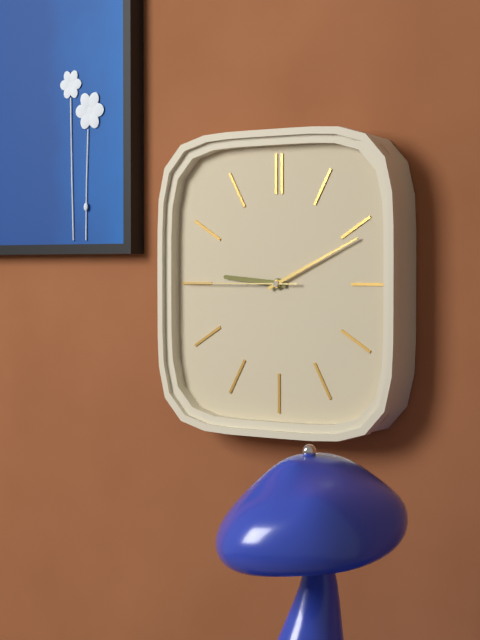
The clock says h=9 m=11 s=45
